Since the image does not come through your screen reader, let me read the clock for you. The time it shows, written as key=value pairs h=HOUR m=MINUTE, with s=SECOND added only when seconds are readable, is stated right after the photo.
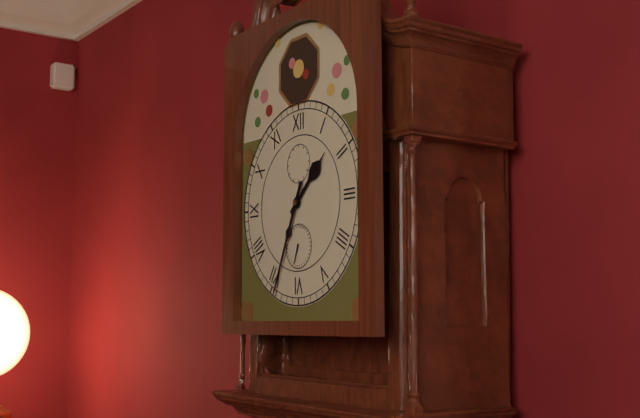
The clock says h=1 m=34
